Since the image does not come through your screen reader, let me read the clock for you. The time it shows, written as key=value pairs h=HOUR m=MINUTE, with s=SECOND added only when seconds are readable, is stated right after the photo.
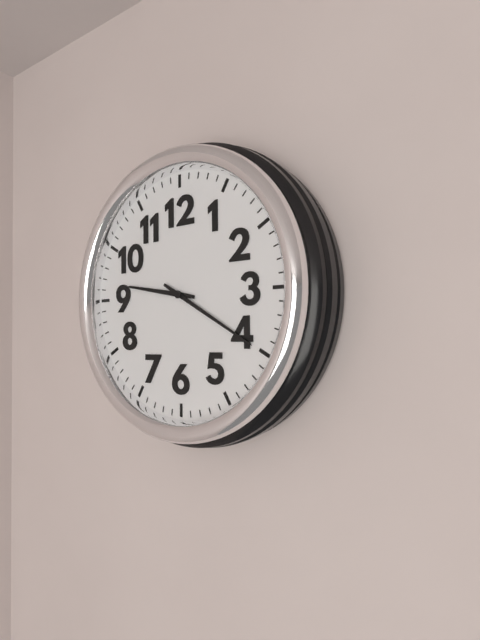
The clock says h=9 m=20
